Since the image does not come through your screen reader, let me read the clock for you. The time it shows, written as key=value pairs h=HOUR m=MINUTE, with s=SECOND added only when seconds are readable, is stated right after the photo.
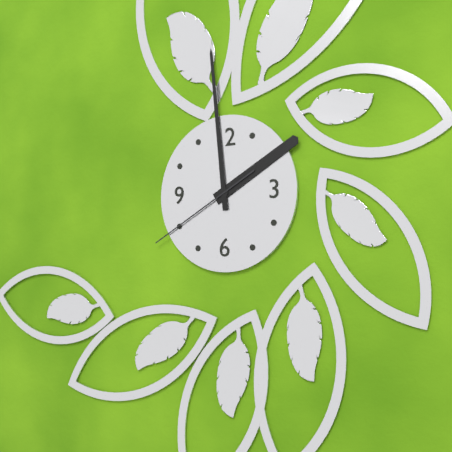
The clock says h=1 m=59 s=40
